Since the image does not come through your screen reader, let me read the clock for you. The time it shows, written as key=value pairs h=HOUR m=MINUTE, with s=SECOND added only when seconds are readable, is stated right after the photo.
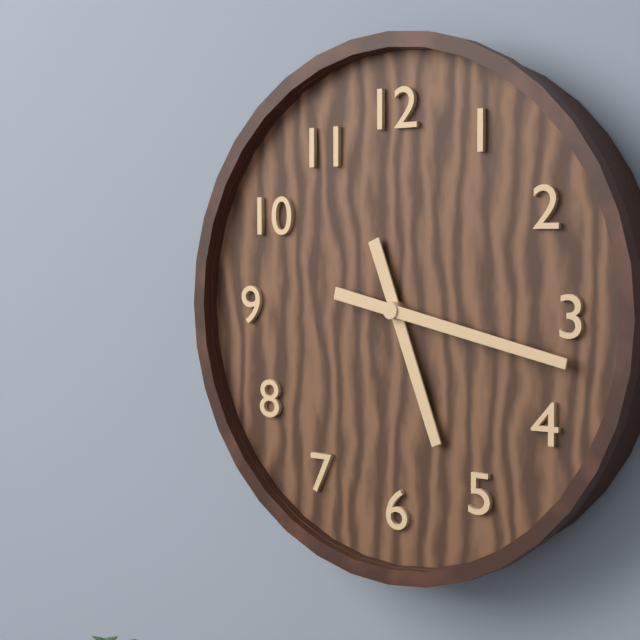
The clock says h=5 m=17
